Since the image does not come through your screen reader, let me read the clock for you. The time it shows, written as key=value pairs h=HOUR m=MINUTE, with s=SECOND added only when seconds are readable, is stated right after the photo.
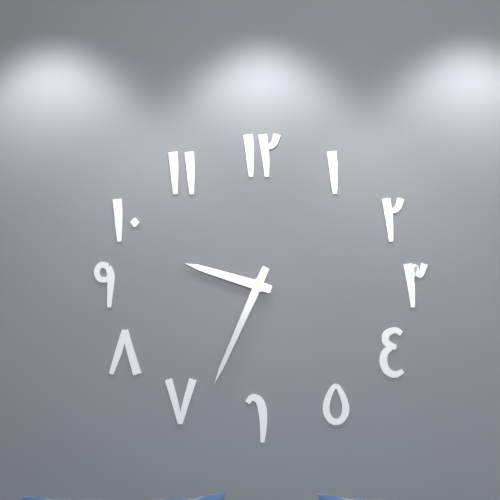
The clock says h=9 m=34
